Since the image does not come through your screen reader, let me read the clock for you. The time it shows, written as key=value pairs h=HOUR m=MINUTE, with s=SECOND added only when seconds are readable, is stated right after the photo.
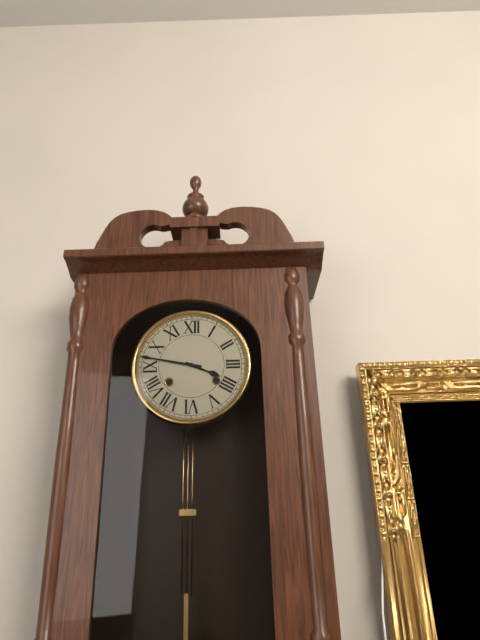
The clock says h=3 m=47
